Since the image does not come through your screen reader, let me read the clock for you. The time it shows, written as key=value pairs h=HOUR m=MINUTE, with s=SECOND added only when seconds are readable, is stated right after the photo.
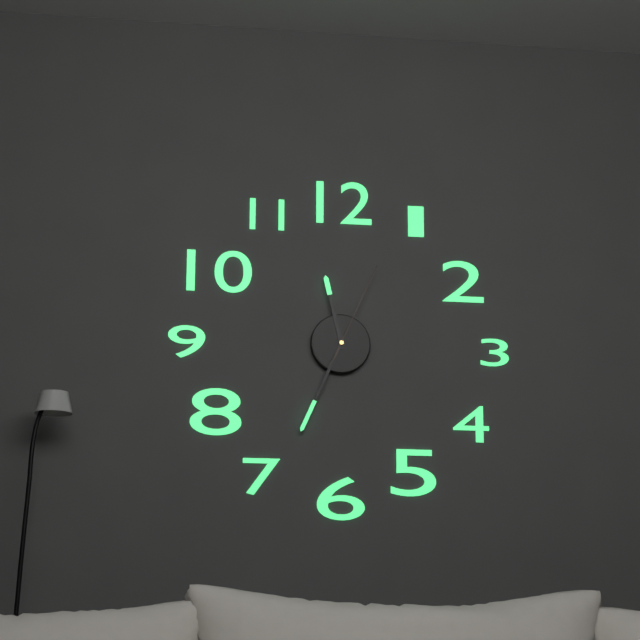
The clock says h=11 m=34 s=4
